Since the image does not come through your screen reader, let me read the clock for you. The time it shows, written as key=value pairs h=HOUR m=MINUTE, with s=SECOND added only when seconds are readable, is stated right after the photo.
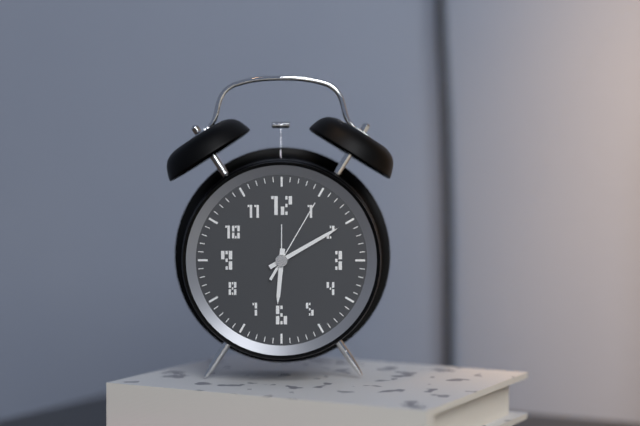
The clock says h=6 m=10 s=5
